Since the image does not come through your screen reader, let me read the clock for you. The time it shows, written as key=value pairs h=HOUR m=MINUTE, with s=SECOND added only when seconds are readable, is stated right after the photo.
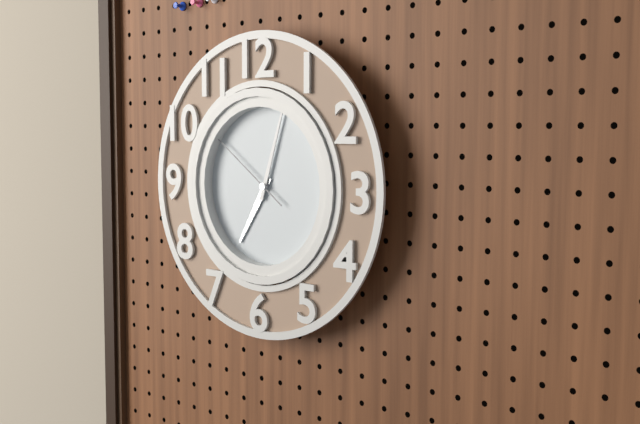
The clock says h=7 m=3 s=51
